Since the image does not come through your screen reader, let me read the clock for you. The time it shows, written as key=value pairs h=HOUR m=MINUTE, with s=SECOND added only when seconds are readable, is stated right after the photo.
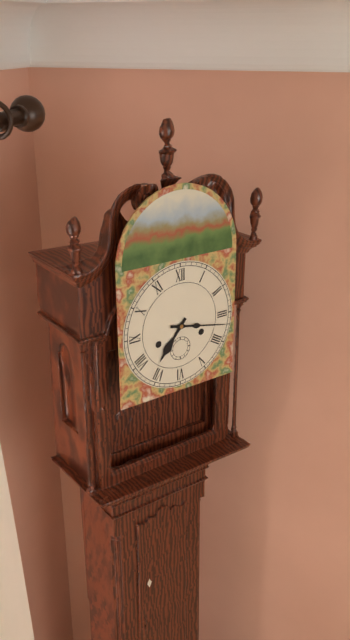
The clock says h=7 m=17
